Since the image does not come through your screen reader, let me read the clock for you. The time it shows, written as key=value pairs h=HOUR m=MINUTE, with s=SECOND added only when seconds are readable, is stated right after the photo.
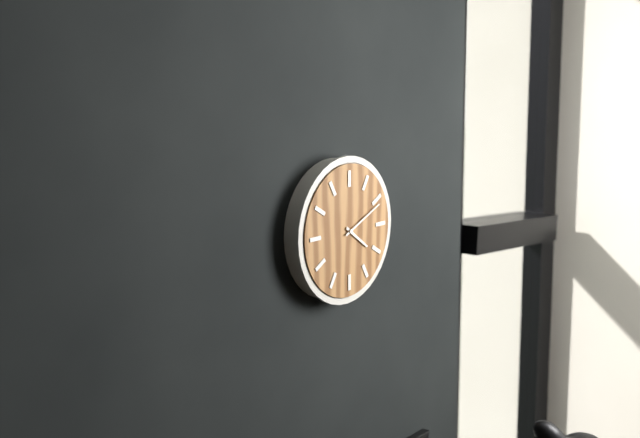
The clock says h=4 m=11
